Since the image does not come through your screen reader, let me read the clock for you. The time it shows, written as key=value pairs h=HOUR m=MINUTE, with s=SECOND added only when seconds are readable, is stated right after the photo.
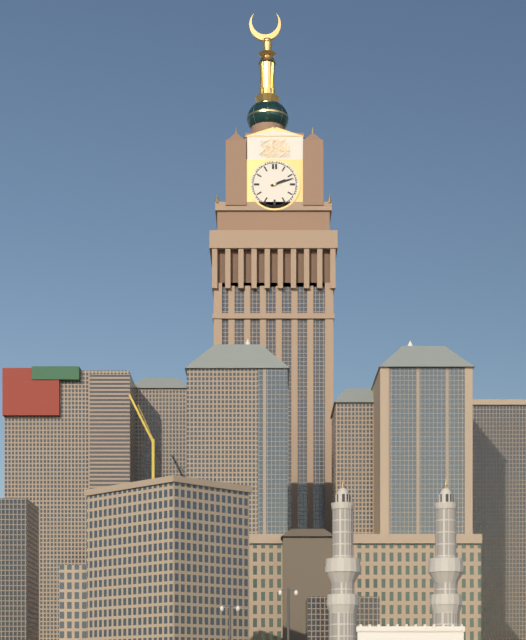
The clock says h=2 m=12
